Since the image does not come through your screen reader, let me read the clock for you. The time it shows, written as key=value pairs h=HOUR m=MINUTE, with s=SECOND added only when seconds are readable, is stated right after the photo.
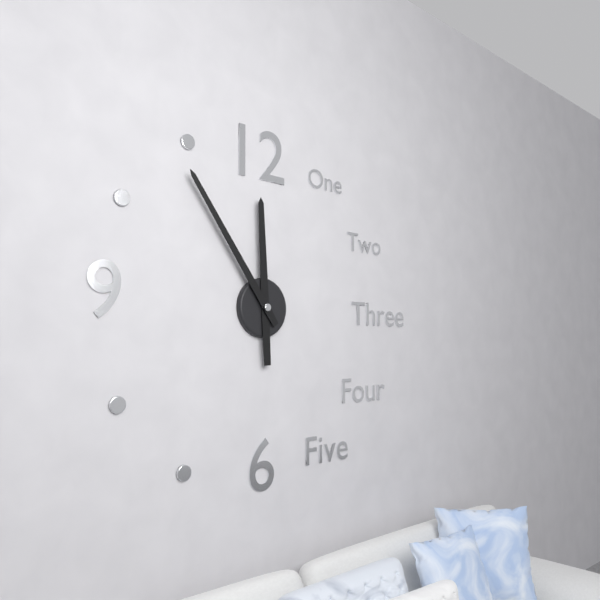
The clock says h=11 m=54
